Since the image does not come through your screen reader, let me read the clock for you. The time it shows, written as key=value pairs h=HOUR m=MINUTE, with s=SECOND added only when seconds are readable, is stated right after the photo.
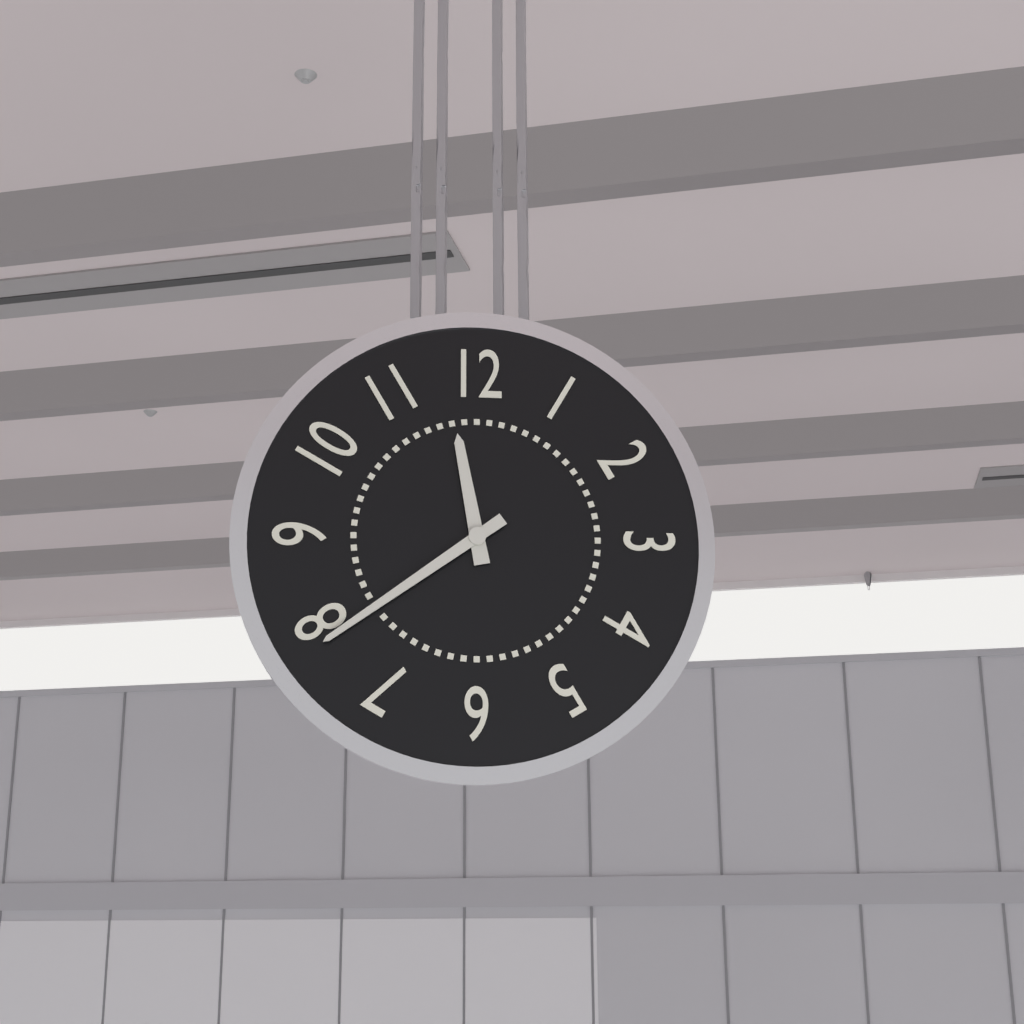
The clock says h=11 m=39
